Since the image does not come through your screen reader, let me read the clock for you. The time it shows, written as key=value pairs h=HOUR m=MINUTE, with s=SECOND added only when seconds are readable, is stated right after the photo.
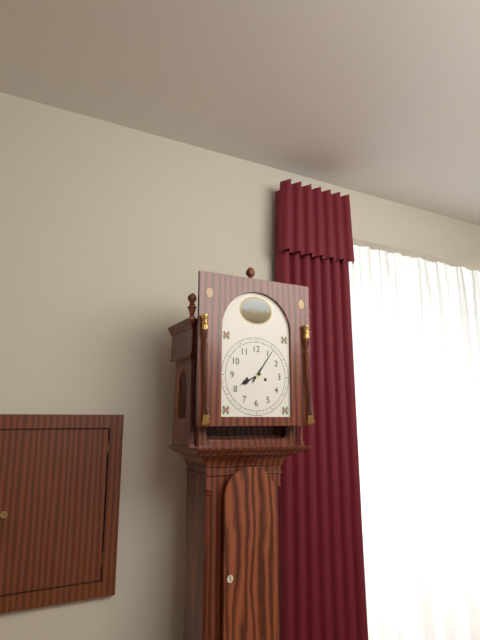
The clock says h=8 m=6
